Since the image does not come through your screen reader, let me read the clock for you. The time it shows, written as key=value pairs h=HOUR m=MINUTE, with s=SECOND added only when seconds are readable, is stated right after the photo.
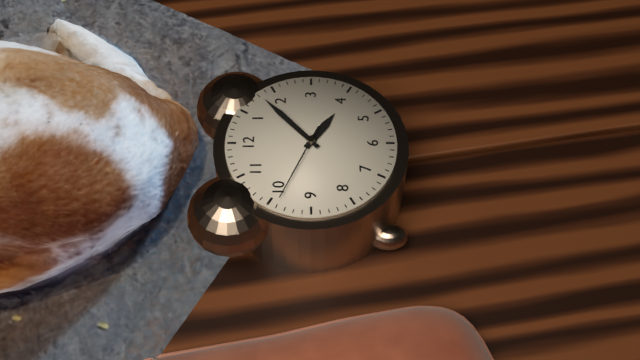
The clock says h=4 m=8 s=49
